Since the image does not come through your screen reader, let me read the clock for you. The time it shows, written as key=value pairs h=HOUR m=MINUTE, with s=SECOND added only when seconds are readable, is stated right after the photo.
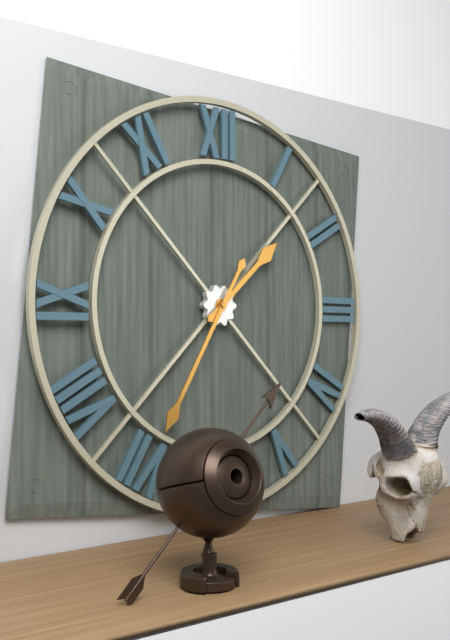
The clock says h=1 m=35
